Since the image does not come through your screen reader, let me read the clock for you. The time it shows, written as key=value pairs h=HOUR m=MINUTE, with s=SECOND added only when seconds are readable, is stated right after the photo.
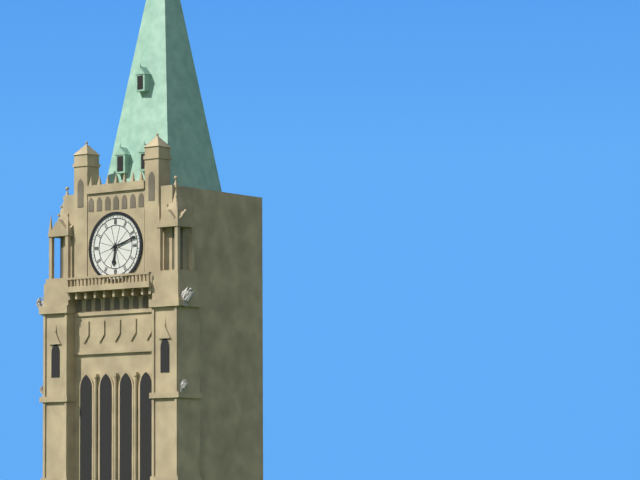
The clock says h=6 m=12
